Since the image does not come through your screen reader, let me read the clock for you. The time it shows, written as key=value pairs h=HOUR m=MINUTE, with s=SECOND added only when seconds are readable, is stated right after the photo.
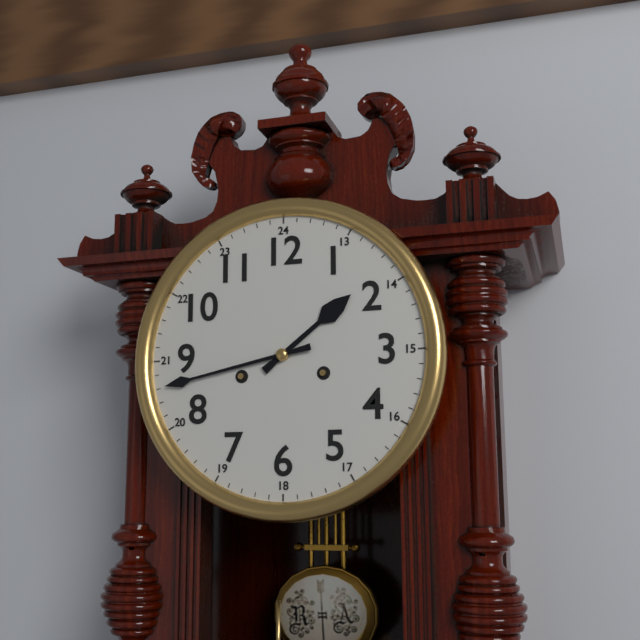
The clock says h=1 m=43
